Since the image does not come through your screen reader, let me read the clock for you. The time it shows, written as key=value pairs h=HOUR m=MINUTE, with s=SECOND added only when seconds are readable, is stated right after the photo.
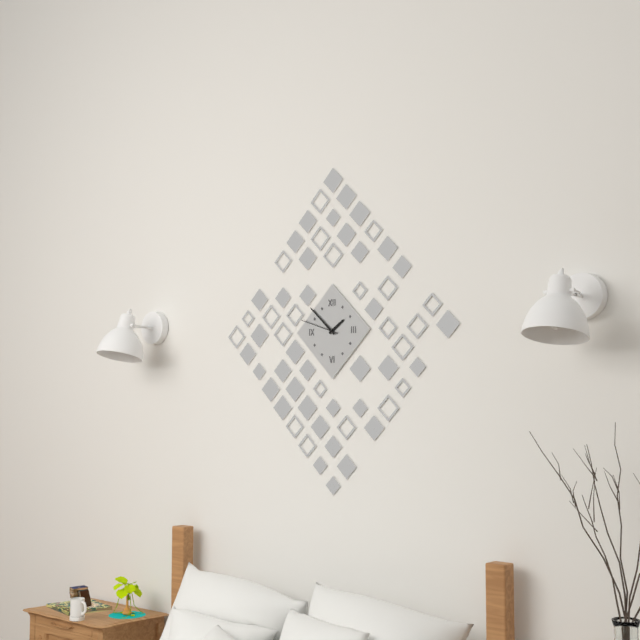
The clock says h=1 m=52
